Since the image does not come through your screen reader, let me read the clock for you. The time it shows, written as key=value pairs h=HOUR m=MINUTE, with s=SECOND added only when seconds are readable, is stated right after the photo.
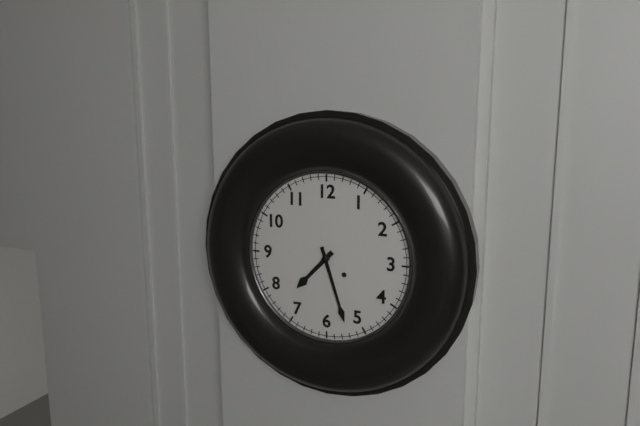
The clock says h=7 m=27
